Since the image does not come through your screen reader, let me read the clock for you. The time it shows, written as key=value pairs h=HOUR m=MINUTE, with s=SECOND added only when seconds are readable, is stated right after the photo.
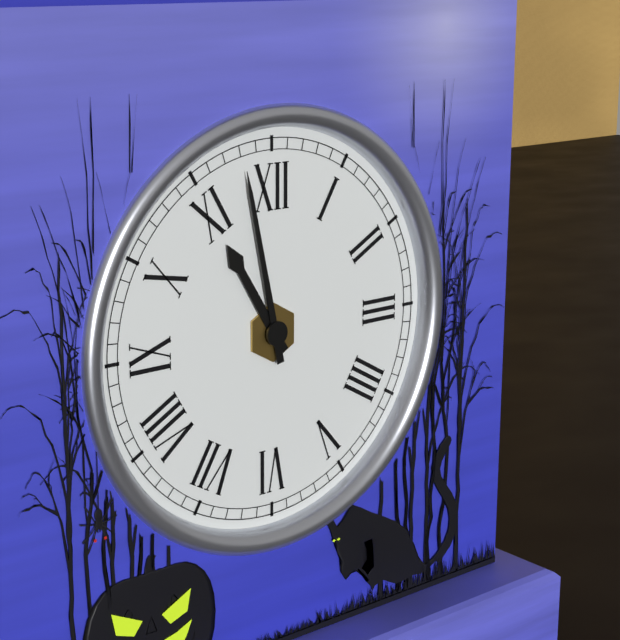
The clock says h=10 m=58
